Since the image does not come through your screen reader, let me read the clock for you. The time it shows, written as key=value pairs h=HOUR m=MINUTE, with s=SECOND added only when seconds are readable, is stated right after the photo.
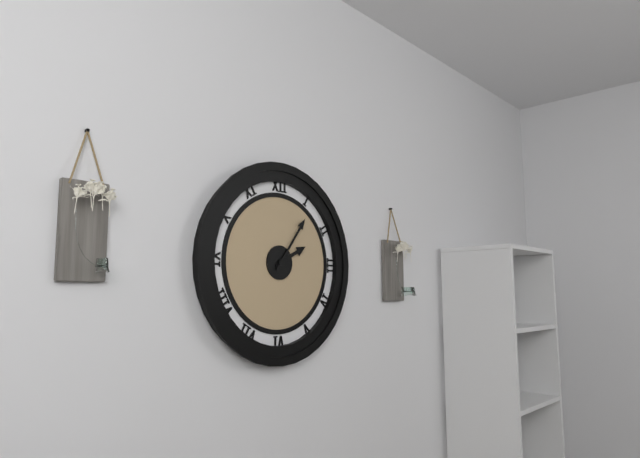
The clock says h=2 m=6
